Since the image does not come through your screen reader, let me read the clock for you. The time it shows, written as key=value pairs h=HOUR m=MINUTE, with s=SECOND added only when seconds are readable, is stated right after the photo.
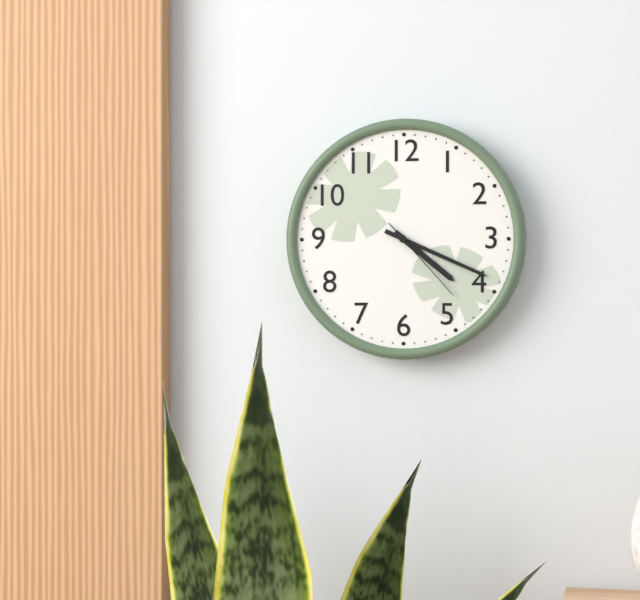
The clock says h=4 m=19 s=23
